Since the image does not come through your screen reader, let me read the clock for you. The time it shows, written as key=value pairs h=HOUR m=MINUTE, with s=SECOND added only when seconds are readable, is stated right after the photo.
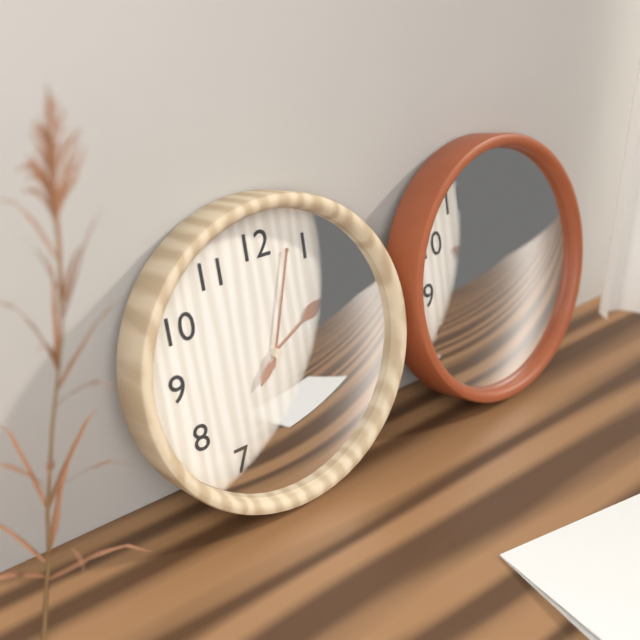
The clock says h=2 m=3
